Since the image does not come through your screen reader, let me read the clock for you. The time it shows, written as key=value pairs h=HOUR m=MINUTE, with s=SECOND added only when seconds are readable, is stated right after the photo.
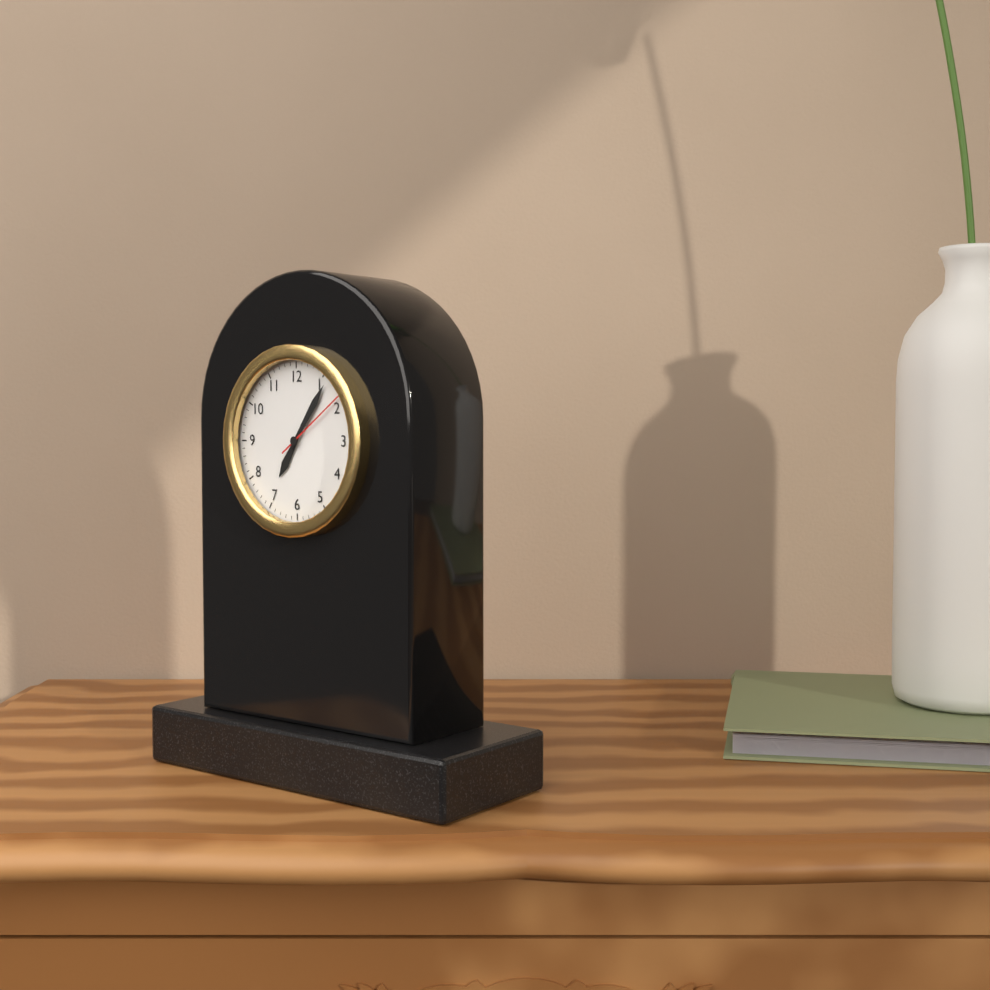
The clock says h=7 m=6 s=9
